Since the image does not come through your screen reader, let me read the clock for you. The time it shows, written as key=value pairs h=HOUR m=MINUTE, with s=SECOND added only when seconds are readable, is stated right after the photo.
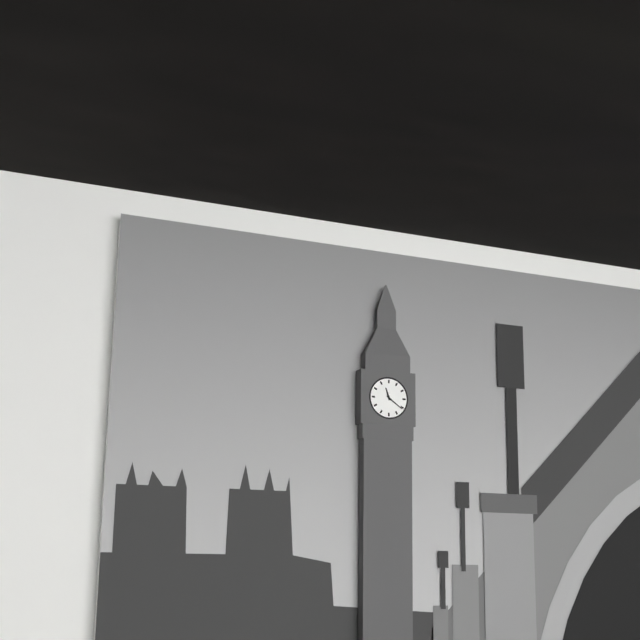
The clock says h=11 m=21
